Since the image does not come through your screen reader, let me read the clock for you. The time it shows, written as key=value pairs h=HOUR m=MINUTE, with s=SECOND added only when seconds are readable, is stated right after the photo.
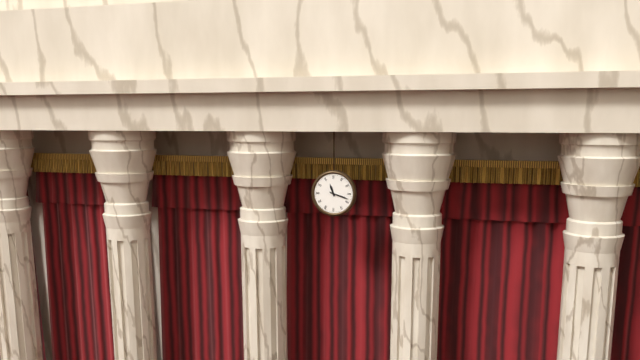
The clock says h=11 m=18
